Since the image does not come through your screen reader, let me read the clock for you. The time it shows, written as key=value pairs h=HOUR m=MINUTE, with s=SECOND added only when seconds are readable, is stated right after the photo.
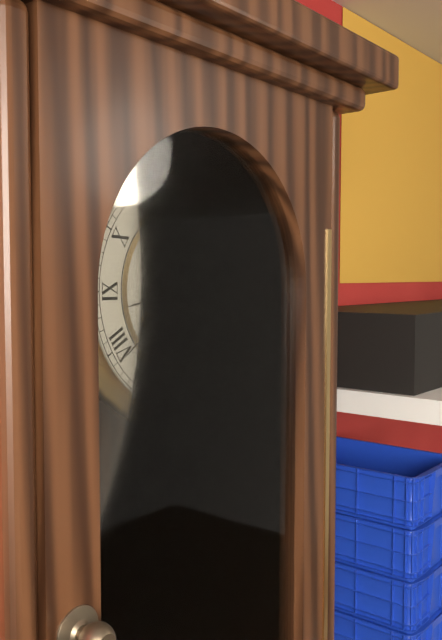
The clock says h=8 m=39
